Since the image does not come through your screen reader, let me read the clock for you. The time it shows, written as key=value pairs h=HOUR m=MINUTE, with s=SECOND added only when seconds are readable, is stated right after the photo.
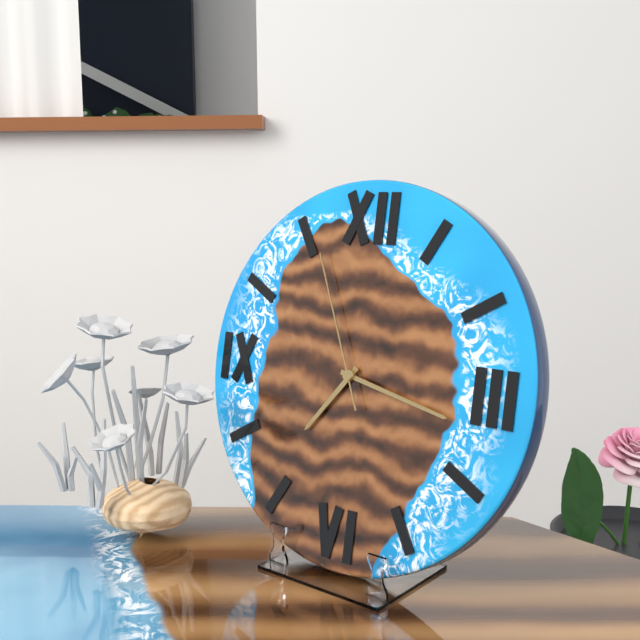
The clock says h=7 m=17 s=56
